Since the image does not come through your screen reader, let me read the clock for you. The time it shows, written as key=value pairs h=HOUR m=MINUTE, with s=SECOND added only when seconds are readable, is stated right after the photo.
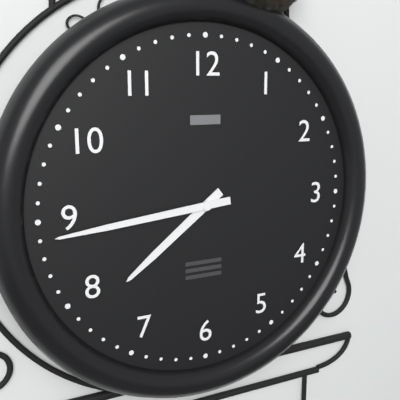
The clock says h=7 m=44
